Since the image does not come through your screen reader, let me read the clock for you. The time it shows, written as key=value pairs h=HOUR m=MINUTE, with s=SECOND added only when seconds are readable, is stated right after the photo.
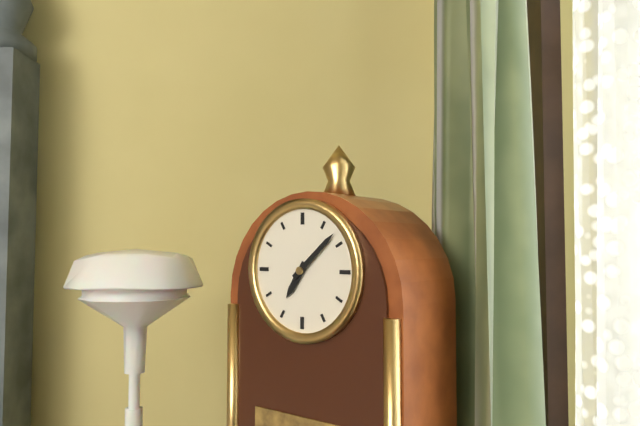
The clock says h=7 m=8
